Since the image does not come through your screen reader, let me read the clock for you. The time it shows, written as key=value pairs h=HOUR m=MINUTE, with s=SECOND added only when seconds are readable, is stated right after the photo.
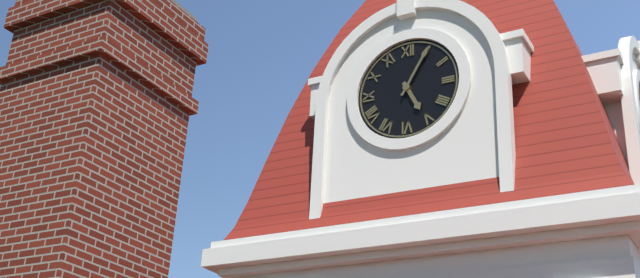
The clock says h=5 m=5
